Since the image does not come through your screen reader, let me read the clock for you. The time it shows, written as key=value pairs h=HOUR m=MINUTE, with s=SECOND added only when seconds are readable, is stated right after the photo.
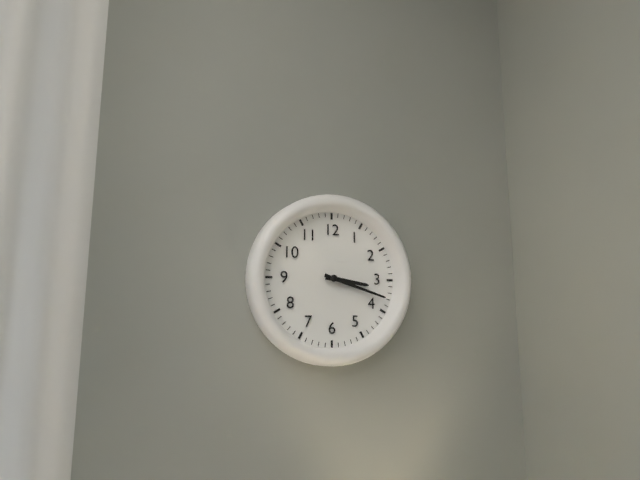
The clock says h=3 m=18
